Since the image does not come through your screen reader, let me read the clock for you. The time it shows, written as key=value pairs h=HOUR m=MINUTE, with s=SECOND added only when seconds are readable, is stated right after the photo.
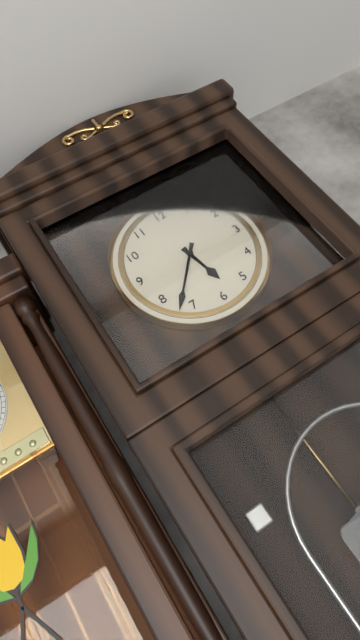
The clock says h=5 m=37
